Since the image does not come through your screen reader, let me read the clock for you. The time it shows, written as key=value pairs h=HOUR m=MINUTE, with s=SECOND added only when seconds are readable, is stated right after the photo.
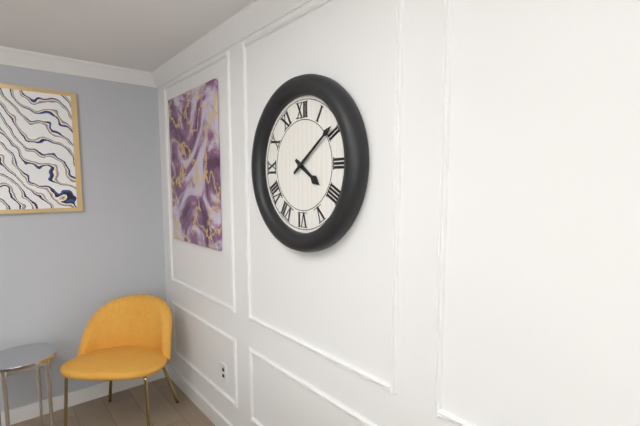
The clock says h=4 m=9
